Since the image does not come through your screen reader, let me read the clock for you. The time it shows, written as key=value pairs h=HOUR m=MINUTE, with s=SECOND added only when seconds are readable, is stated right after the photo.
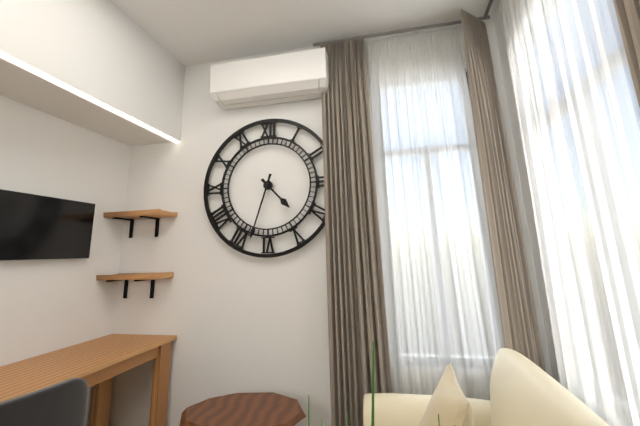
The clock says h=4 m=33
